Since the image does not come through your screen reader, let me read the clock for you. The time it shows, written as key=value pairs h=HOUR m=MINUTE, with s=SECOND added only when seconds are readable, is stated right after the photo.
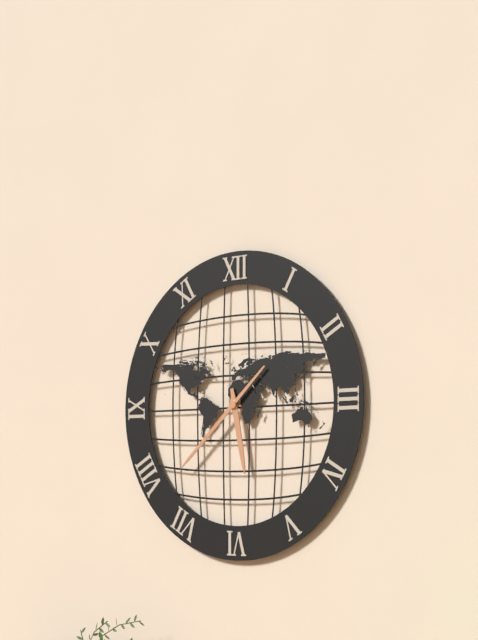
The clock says h=5 m=38
